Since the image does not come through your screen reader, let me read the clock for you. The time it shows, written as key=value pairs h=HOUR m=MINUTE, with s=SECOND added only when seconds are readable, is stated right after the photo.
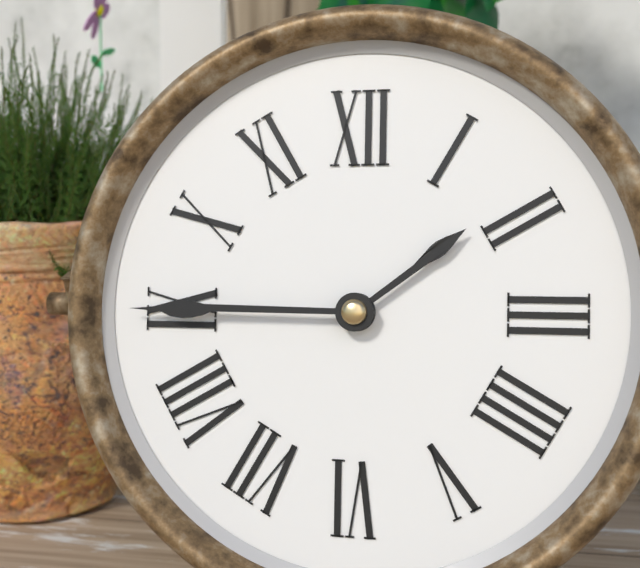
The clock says h=1 m=45
